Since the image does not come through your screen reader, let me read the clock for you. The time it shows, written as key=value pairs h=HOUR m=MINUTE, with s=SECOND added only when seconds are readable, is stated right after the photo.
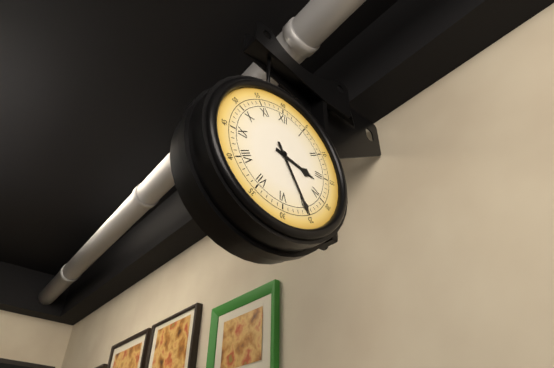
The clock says h=3 m=25
